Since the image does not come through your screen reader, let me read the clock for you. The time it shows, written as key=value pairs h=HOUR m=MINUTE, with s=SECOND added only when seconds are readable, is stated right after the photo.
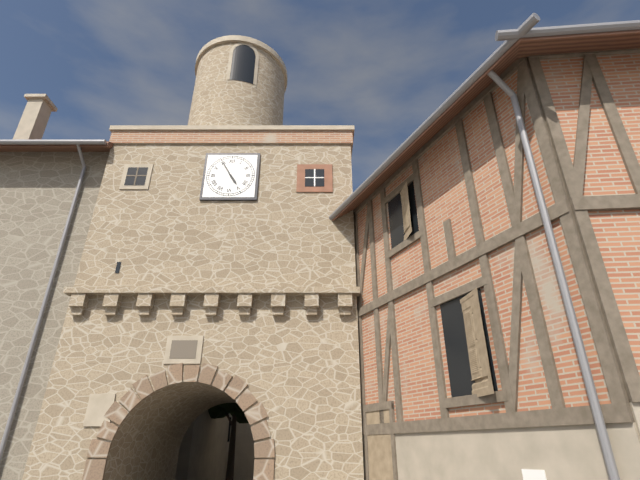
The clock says h=4 m=55
